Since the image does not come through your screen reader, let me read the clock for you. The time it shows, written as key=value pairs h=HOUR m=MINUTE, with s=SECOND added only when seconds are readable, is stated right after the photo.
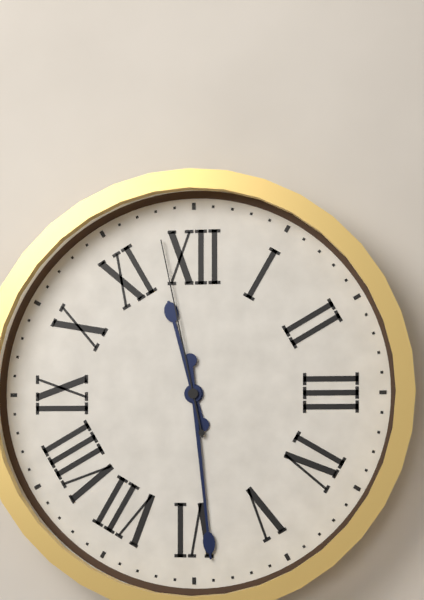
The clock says h=11 m=29 s=58
